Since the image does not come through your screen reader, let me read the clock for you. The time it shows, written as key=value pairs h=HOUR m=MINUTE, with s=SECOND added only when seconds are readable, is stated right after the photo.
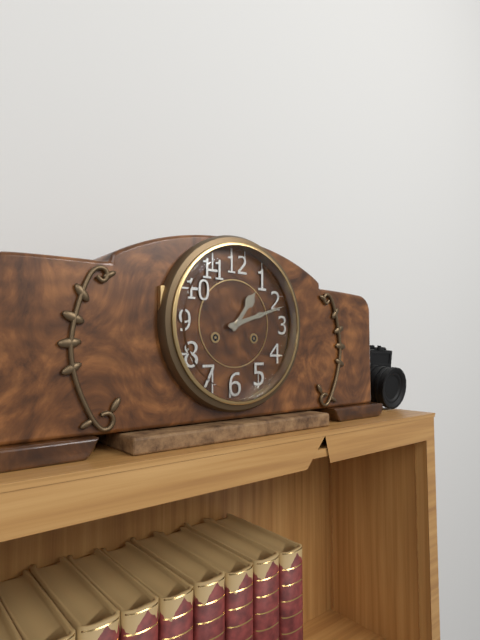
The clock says h=1 m=12
